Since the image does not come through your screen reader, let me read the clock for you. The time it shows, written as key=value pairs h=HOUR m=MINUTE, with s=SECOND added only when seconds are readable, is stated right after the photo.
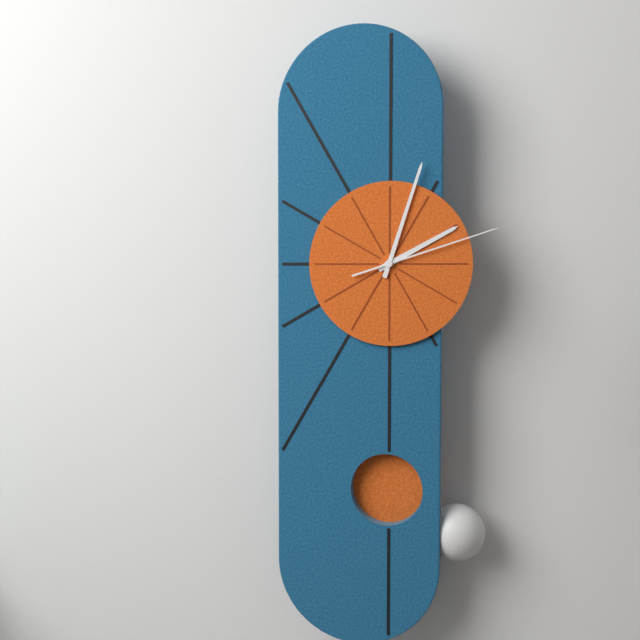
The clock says h=2 m=3 s=12
